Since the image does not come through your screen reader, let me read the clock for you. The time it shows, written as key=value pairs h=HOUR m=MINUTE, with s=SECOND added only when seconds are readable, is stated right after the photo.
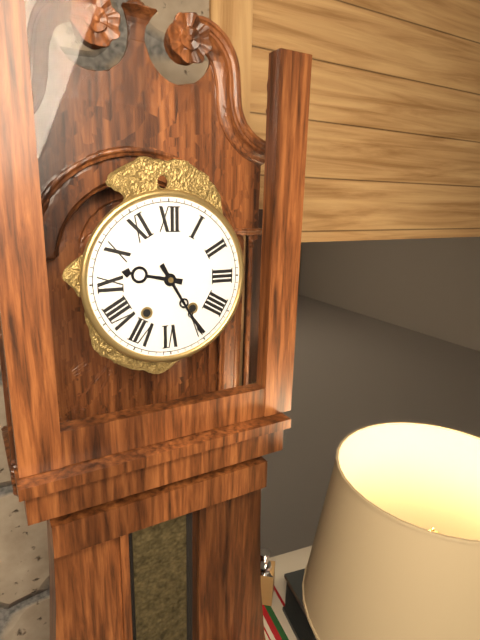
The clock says h=9 m=25
